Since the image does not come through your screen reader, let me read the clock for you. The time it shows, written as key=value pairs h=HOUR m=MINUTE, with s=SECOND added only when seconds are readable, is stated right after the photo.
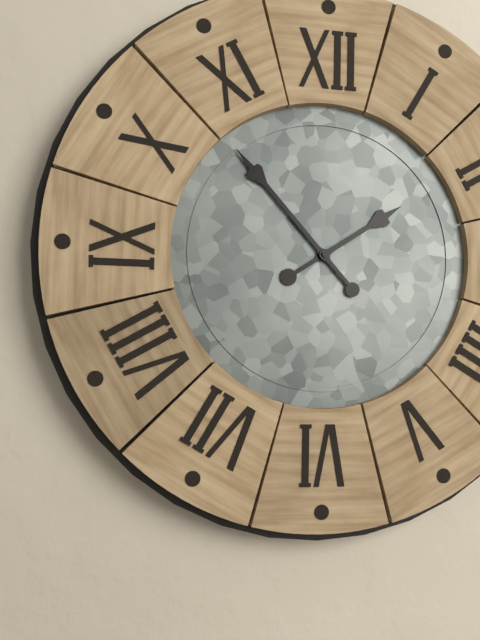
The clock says h=1 m=53
